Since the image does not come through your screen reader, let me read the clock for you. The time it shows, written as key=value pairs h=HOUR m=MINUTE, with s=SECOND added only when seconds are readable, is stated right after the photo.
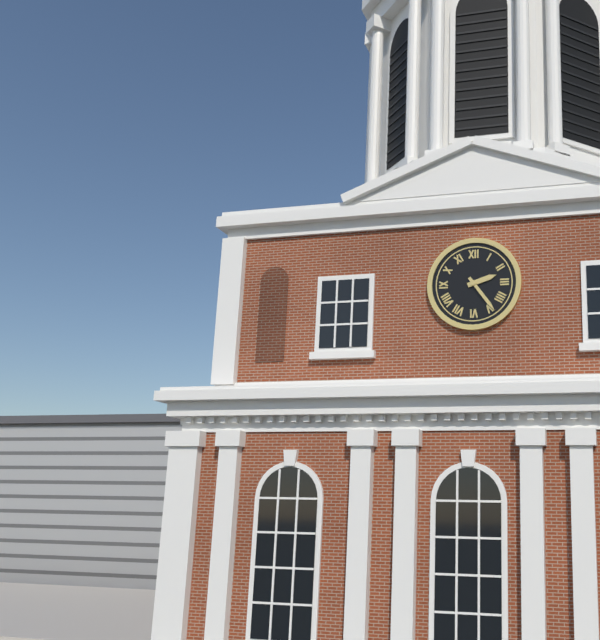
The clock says h=2 m=24
